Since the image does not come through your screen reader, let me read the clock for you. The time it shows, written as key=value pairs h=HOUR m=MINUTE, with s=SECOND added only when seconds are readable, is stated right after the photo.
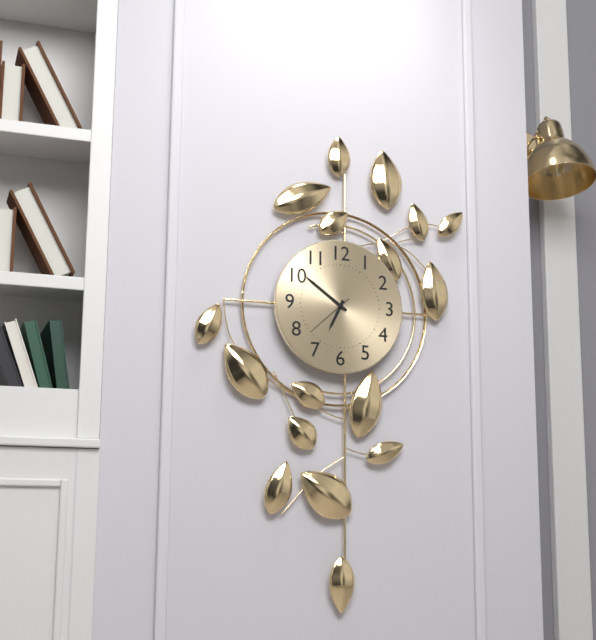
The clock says h=6 m=51
